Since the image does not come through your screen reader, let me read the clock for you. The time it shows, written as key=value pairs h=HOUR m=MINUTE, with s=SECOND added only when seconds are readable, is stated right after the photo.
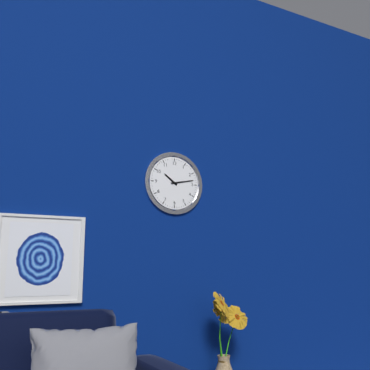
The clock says h=10 m=13
